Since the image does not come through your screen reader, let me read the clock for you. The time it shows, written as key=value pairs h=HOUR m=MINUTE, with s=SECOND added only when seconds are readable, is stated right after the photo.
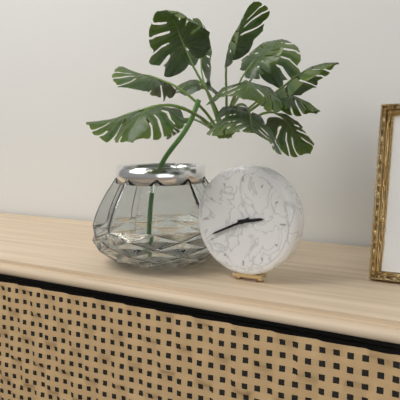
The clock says h=2 m=41
